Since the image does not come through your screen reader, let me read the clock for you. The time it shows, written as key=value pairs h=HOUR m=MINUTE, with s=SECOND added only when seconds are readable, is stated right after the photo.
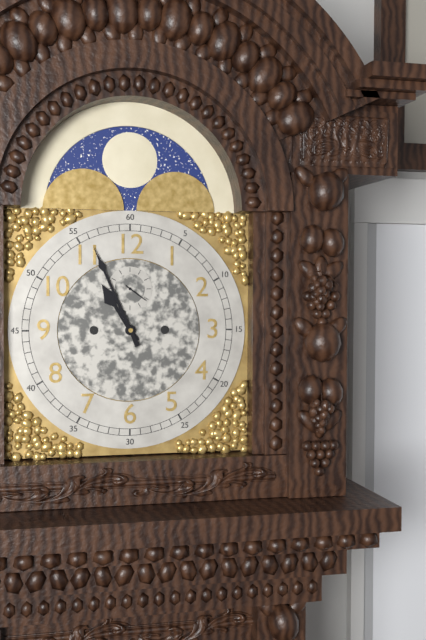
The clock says h=10 m=56
